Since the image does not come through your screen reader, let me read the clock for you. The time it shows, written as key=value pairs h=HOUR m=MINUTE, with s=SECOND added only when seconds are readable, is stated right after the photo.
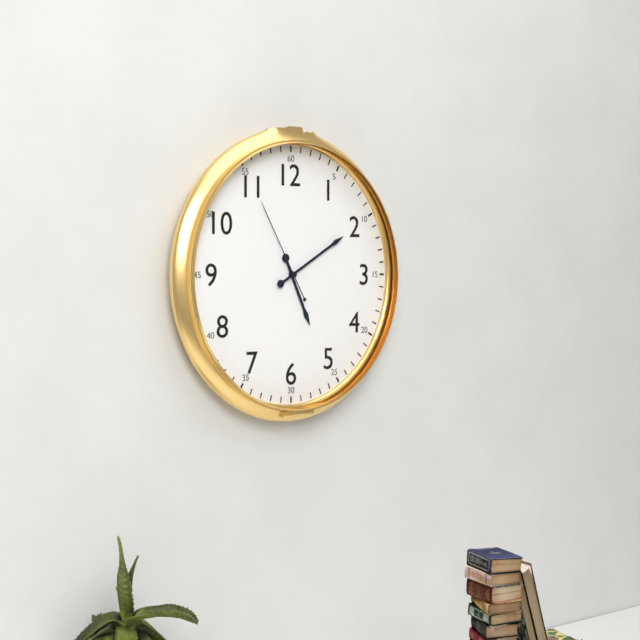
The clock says h=5 m=10 s=55
